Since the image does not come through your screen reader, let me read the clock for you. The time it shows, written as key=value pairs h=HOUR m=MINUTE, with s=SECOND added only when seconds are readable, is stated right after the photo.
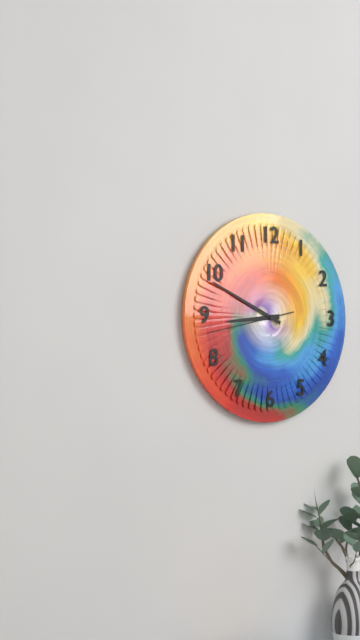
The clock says h=8 m=49 s=43
